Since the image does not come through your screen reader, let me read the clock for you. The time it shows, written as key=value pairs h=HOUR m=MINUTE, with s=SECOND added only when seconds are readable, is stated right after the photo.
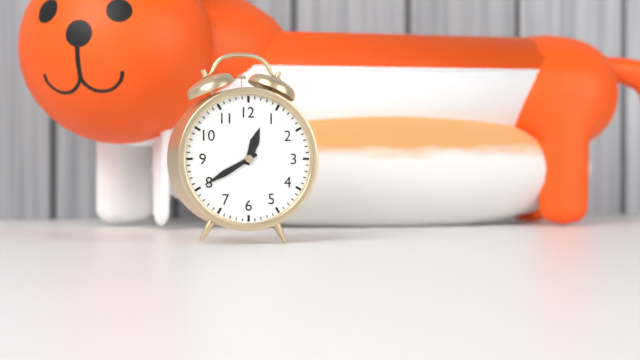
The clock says h=12 m=40
